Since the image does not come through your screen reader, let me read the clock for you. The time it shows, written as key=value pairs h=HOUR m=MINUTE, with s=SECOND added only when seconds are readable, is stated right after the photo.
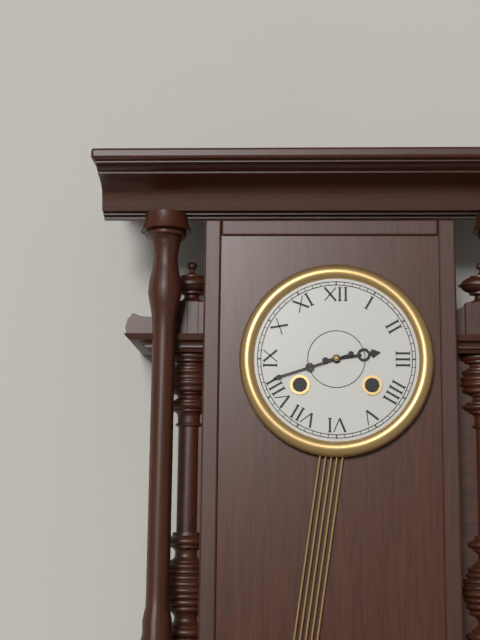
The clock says h=2 m=42
